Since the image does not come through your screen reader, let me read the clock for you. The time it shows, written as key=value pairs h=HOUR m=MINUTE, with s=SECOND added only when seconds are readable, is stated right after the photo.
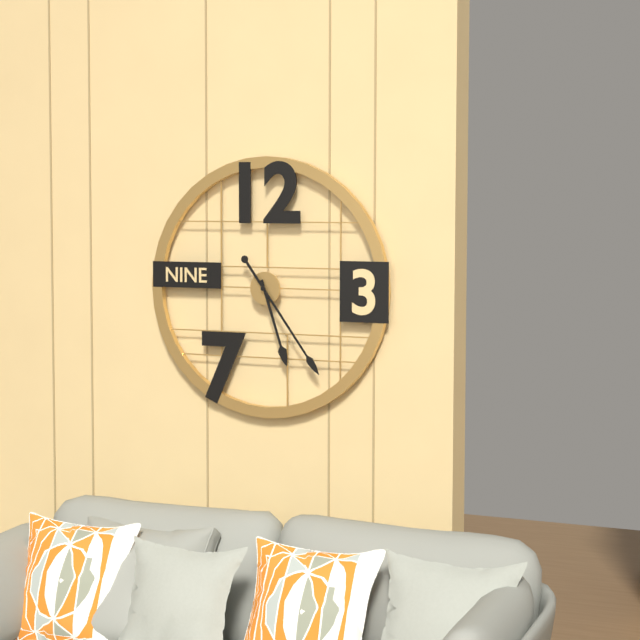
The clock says h=5 m=24
